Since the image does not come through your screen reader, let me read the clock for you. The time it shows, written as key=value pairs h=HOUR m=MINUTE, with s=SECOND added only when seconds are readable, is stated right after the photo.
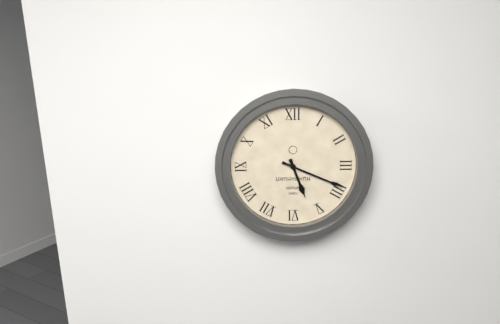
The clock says h=5 m=19
